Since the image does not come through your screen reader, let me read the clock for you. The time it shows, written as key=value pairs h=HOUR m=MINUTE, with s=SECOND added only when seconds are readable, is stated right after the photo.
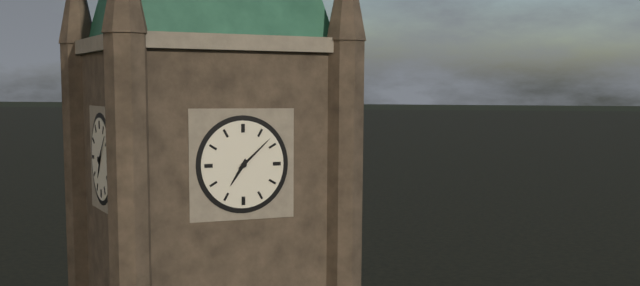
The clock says h=7 m=8
